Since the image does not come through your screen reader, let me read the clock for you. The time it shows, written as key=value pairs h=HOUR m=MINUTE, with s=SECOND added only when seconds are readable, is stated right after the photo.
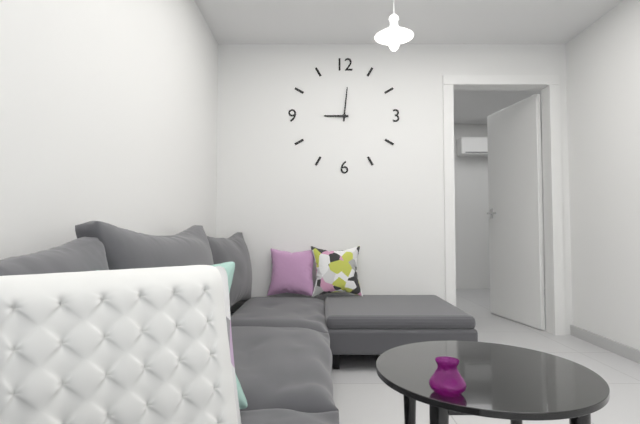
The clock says h=9 m=1
